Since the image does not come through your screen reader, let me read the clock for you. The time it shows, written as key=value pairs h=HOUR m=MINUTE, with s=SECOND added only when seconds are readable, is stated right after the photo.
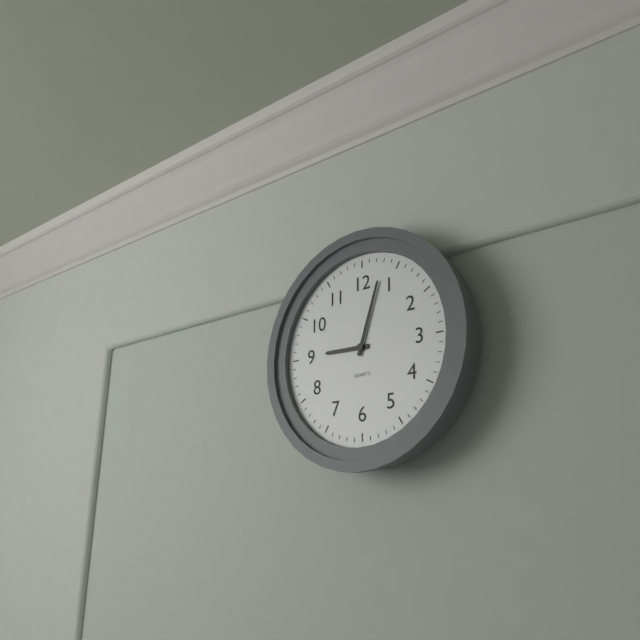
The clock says h=9 m=3
